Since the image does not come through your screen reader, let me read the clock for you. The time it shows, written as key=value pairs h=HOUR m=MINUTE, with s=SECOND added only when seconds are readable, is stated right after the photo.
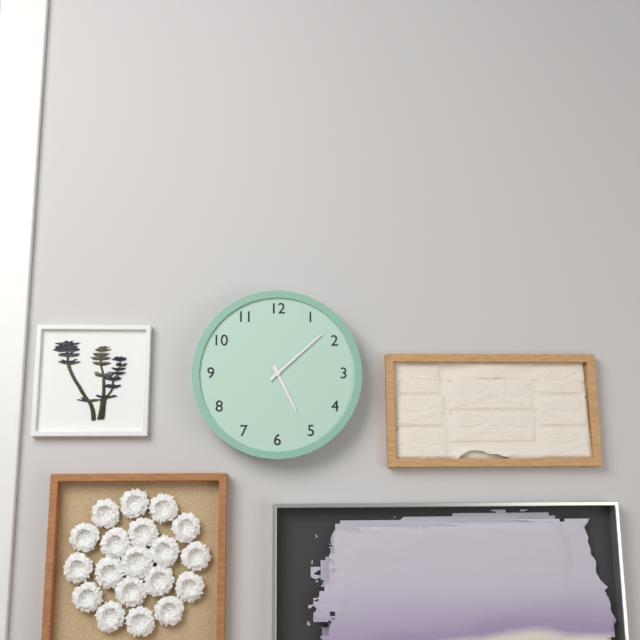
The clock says h=5 m=8
